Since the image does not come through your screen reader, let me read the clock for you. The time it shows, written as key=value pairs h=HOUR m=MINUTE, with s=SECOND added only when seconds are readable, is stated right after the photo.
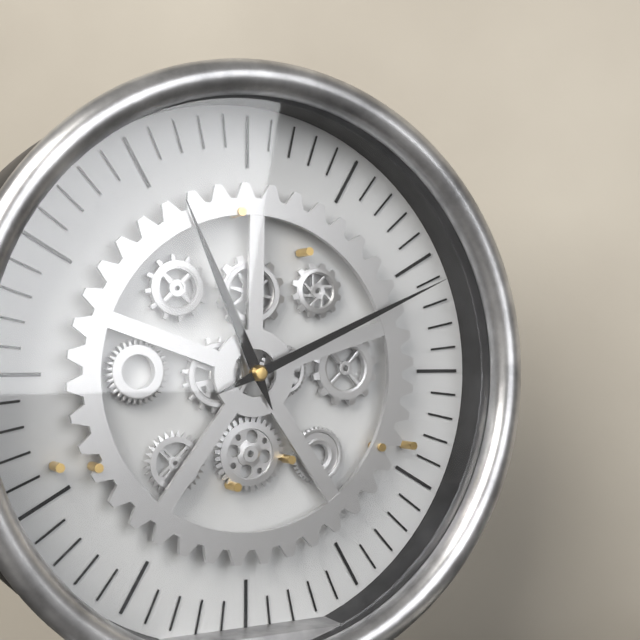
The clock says h=11 m=11
